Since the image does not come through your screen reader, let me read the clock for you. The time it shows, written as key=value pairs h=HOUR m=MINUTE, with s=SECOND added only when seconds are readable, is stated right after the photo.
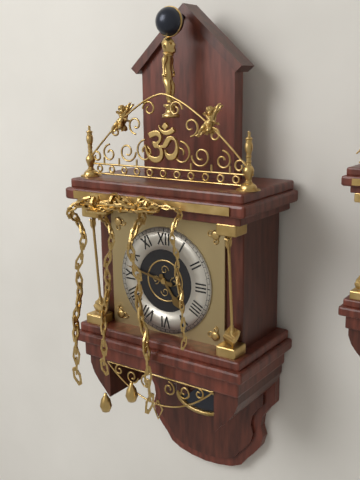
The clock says h=4 m=47
